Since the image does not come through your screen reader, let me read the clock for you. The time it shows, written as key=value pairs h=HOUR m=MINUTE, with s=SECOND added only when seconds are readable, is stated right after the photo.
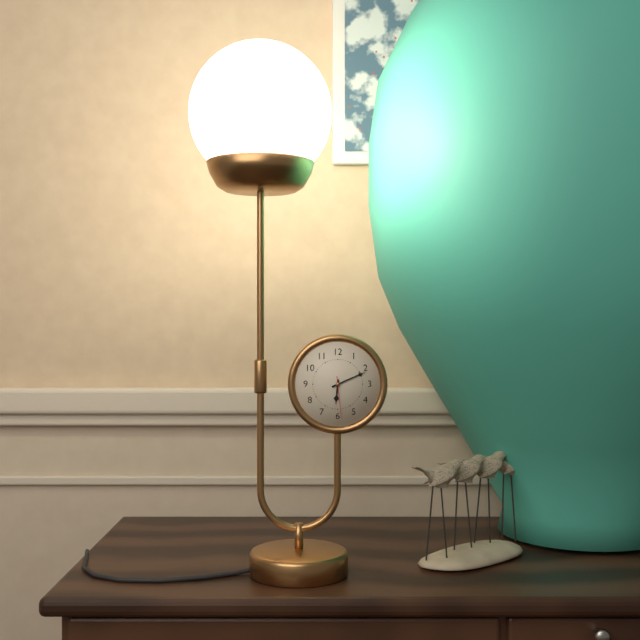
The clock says h=6 m=11
